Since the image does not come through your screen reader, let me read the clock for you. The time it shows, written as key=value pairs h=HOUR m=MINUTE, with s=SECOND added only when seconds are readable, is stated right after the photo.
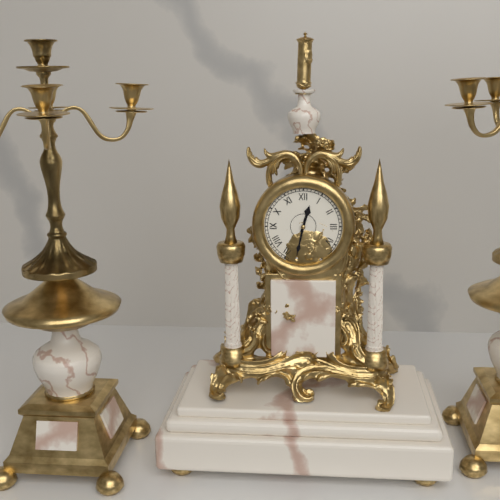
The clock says h=12 m=32
